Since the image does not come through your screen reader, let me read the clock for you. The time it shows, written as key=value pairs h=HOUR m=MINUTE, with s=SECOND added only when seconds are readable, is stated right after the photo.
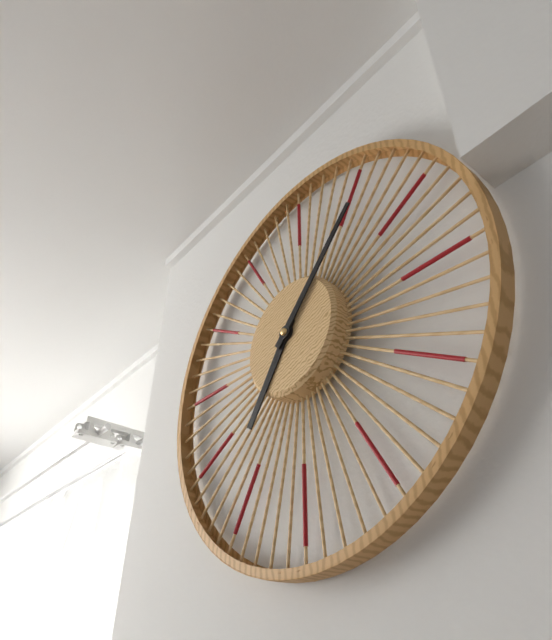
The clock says h=7 m=7
